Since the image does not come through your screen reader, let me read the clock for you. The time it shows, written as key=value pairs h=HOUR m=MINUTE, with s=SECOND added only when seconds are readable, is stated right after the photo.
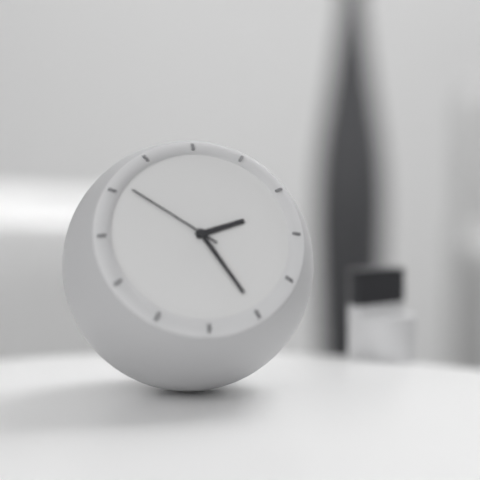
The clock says h=2 m=25 s=51
